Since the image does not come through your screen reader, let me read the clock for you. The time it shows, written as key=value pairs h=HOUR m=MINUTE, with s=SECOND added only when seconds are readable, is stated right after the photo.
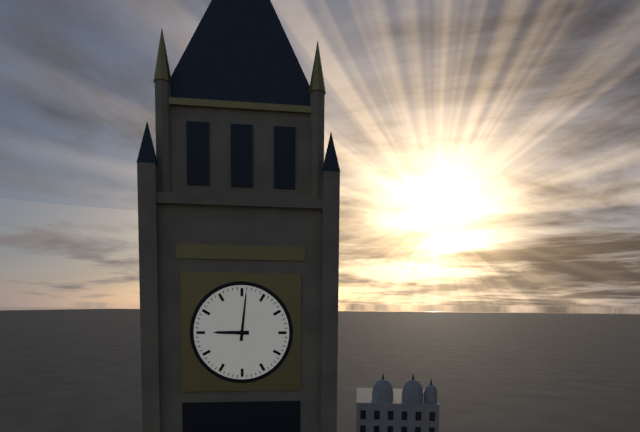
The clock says h=9 m=1
